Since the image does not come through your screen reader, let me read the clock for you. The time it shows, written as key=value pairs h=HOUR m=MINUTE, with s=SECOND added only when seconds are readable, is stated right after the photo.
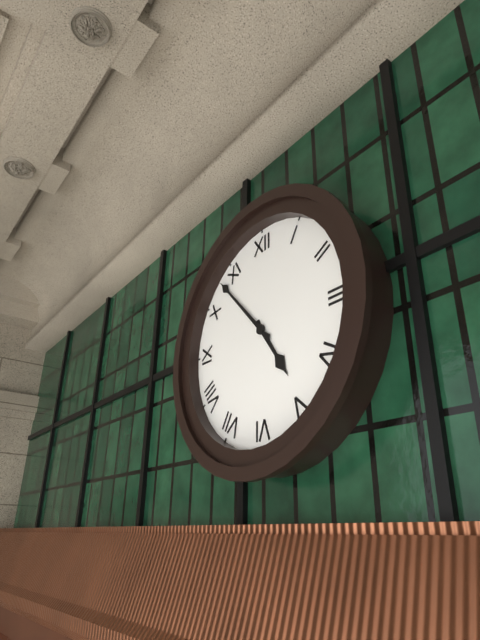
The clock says h=4 m=53
